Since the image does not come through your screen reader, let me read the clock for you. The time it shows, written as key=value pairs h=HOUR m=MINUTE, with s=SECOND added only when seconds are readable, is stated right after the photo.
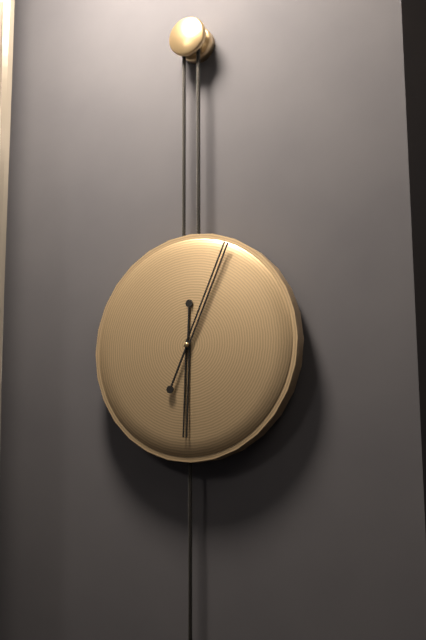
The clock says h=6 m=4
